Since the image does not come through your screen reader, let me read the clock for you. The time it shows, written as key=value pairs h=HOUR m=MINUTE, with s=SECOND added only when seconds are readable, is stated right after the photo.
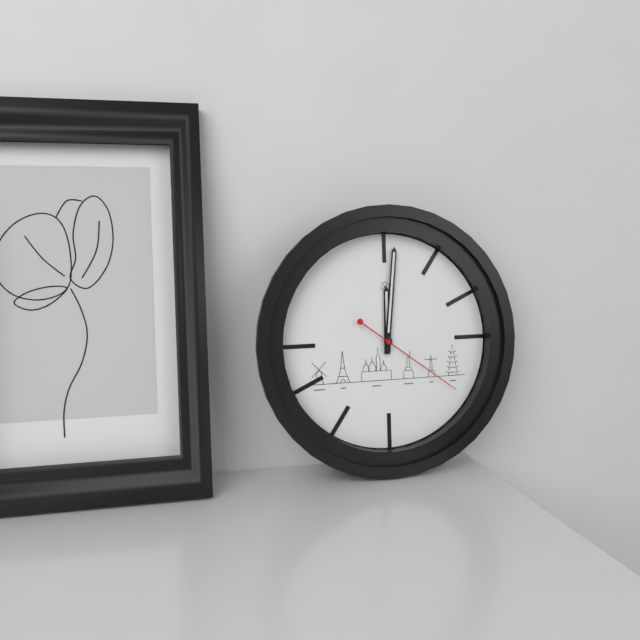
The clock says h=12 m=1 s=21
